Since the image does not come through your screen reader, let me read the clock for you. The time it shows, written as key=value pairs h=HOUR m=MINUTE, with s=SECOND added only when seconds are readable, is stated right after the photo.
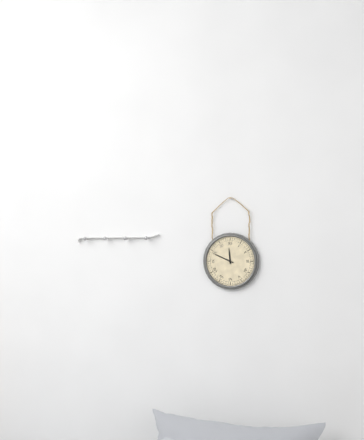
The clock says h=11 m=49
